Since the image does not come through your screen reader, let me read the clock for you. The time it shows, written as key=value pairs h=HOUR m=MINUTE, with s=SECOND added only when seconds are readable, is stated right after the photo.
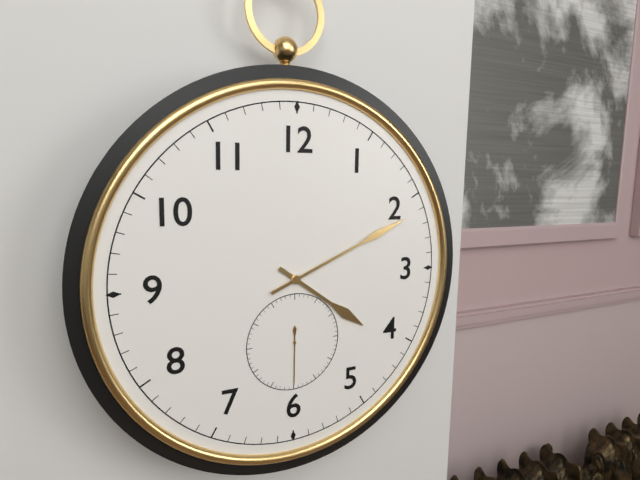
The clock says h=4 m=11 s=30
